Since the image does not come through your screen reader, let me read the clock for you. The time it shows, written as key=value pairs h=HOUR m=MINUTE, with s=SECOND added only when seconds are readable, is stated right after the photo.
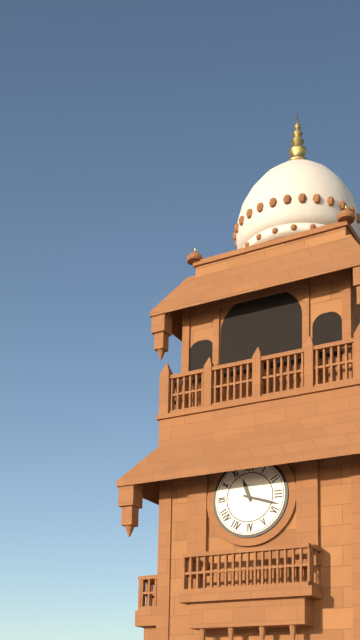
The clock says h=11 m=18
